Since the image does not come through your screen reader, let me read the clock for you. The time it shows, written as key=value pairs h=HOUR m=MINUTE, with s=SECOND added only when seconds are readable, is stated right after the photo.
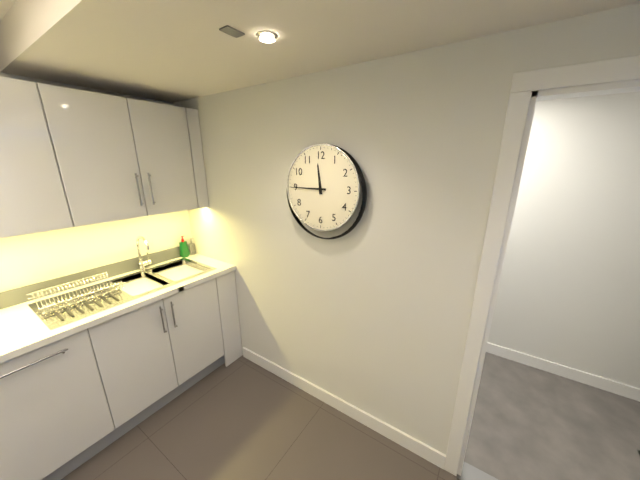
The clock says h=11 m=45
